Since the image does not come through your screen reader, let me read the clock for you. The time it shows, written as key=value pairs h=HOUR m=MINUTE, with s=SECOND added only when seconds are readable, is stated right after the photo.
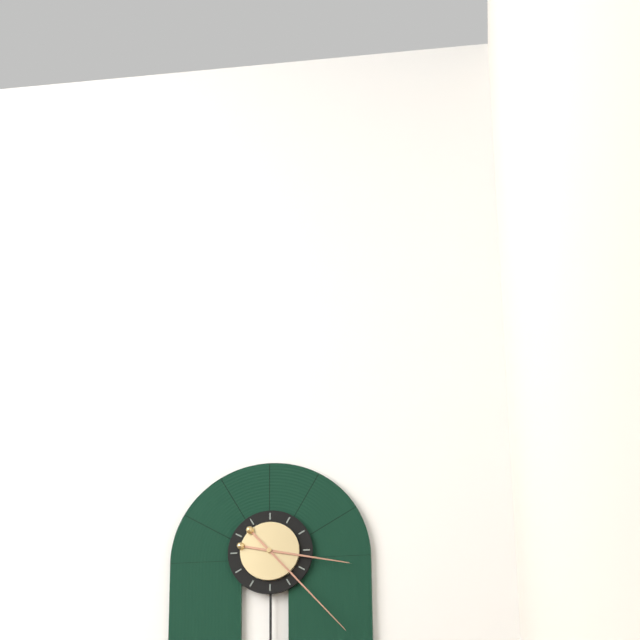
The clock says h=3 m=23
